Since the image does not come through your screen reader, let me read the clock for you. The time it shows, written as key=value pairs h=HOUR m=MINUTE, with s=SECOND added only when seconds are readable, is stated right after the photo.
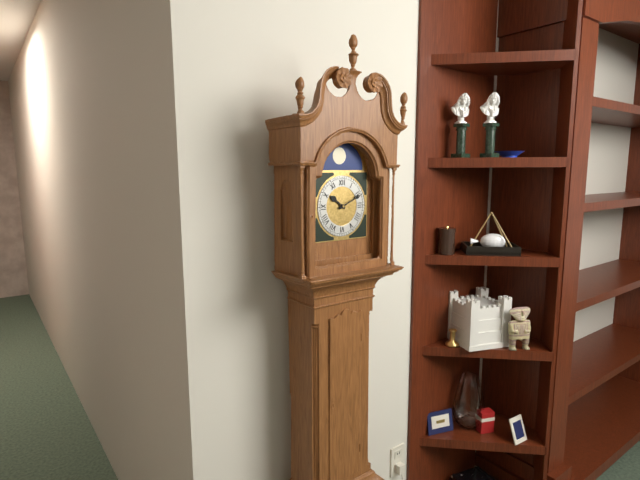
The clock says h=10 m=11
